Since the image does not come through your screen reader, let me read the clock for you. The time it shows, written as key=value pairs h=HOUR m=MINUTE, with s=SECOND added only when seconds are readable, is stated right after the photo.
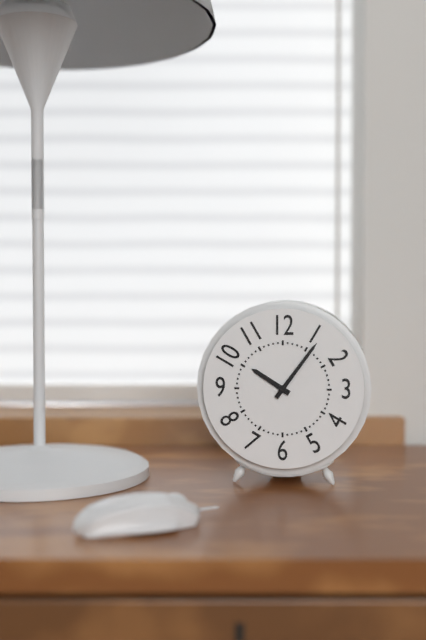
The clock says h=10 m=6
